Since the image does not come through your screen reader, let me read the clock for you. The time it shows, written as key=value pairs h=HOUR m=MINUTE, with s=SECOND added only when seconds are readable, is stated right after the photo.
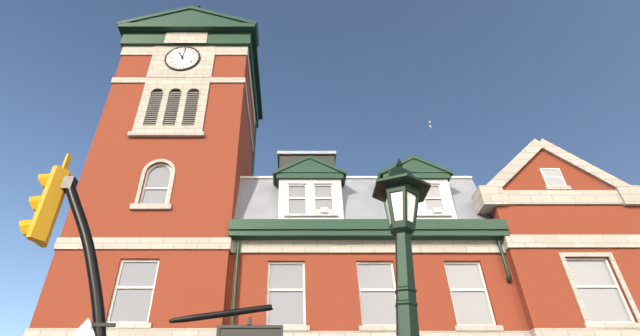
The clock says h=11 m=1
